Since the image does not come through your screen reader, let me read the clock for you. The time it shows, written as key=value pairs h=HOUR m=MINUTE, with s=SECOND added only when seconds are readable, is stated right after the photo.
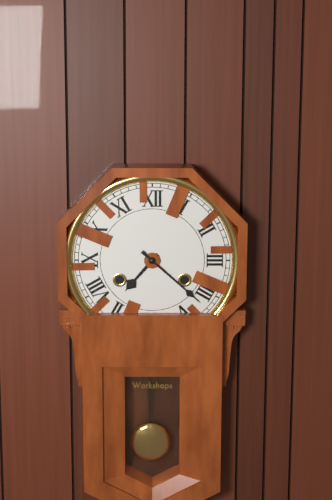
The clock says h=7 m=22
